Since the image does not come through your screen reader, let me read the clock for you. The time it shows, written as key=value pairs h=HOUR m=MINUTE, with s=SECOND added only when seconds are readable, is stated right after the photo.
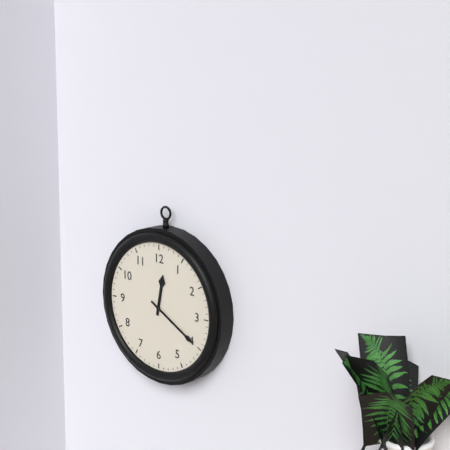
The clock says h=12 m=20
